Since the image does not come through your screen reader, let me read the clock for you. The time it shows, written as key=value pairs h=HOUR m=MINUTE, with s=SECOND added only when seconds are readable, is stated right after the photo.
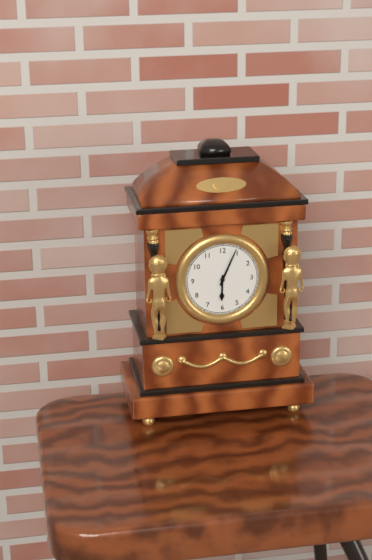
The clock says h=6 m=4
